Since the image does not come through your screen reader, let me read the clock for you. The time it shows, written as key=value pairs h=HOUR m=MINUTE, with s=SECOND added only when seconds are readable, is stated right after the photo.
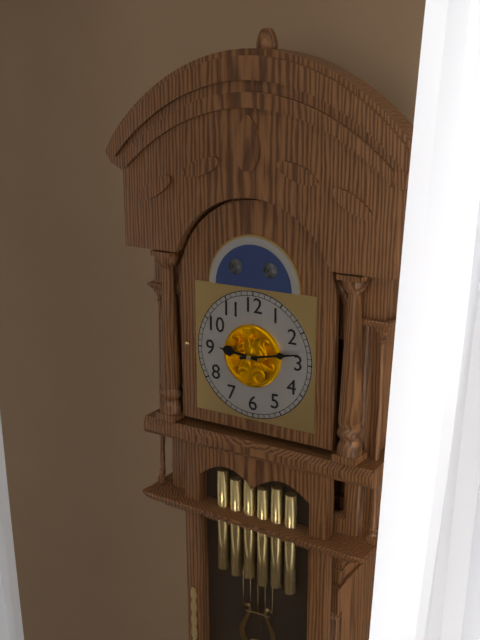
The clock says h=9 m=13
